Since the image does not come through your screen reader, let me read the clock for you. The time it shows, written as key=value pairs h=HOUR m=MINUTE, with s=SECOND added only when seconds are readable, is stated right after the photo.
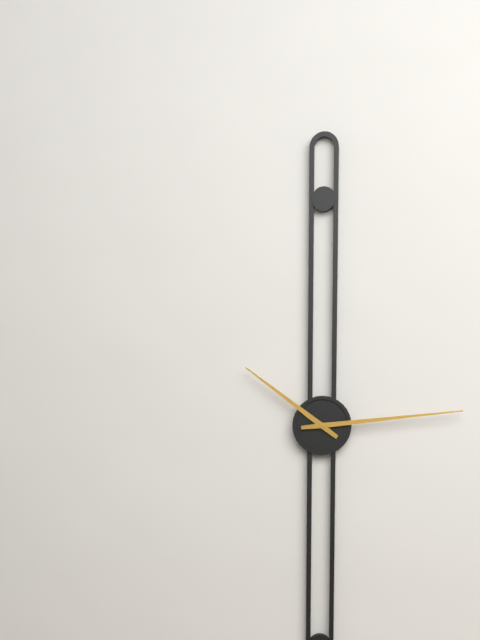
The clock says h=10 m=14
